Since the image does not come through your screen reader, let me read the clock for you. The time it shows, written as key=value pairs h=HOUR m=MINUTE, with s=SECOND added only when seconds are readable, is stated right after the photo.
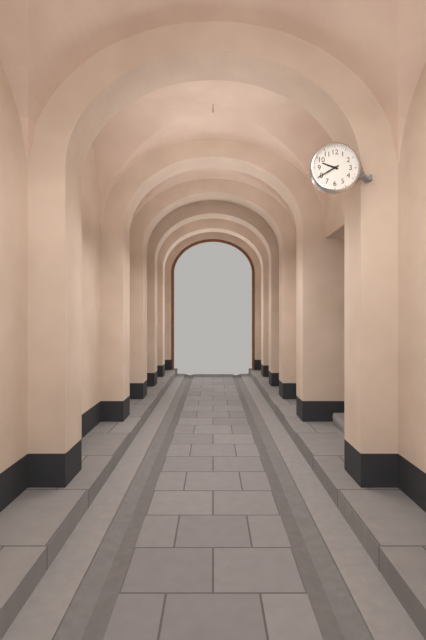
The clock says h=9 m=40
